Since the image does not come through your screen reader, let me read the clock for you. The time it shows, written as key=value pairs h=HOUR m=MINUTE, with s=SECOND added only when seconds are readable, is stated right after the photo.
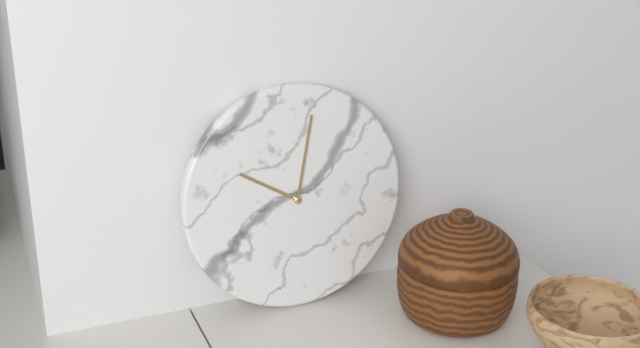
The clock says h=10 m=2
